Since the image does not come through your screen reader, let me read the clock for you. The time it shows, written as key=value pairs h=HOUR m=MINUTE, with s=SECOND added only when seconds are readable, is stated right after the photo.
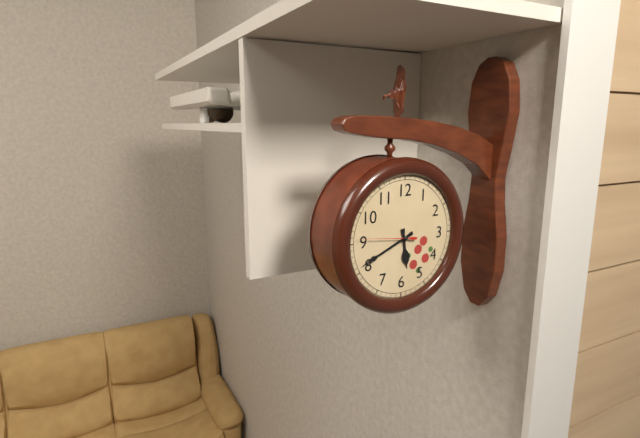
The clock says h=5 m=41 s=46
